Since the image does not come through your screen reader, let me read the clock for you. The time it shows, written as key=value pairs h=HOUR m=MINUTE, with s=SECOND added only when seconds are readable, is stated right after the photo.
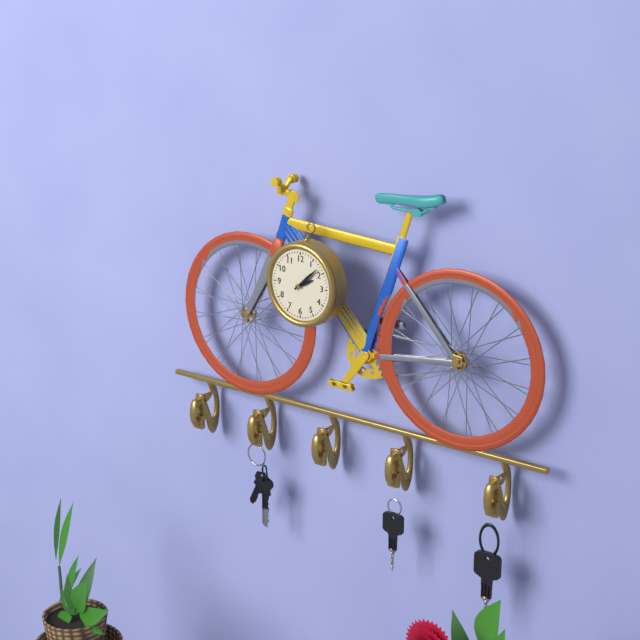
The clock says h=2 m=8
